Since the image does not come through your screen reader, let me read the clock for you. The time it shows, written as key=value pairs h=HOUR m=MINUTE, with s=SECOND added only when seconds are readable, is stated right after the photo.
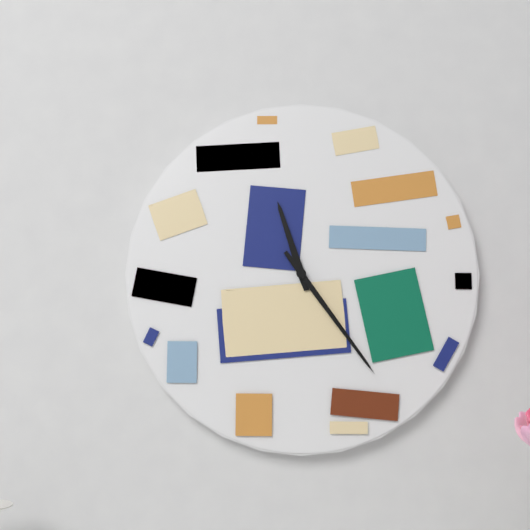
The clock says h=11 m=24
